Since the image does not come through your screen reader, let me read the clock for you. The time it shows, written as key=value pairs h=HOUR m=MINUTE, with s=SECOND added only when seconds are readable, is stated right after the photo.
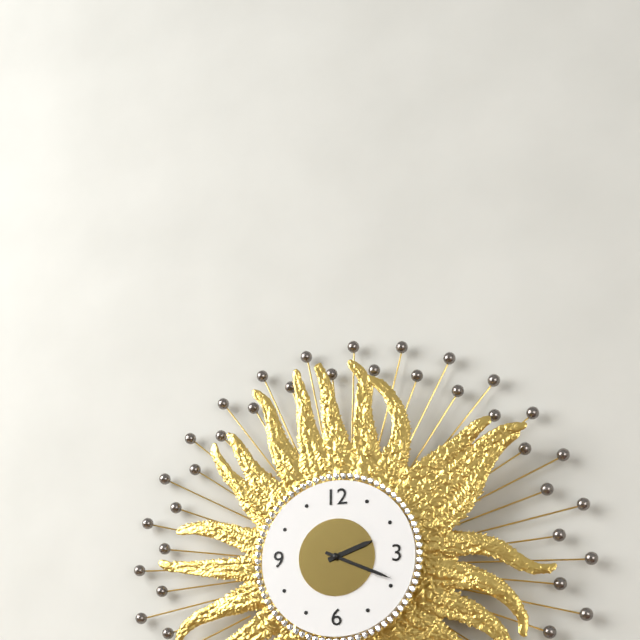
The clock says h=2 m=19
